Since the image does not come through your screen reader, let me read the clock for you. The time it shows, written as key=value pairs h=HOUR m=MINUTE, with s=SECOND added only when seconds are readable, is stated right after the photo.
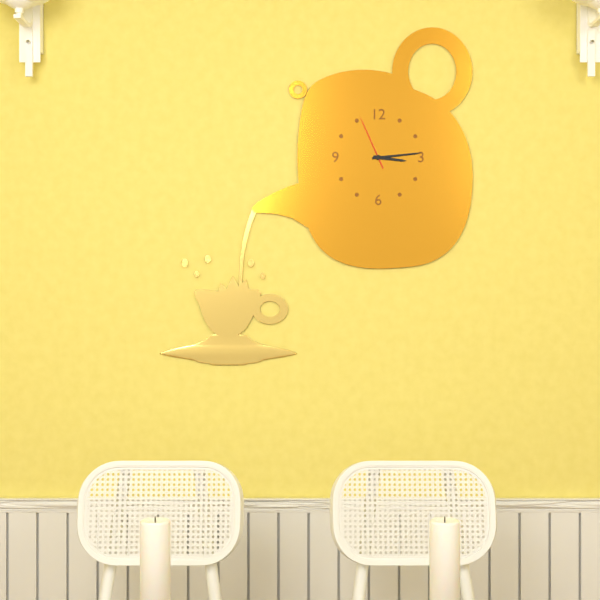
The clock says h=3 m=14 s=56
